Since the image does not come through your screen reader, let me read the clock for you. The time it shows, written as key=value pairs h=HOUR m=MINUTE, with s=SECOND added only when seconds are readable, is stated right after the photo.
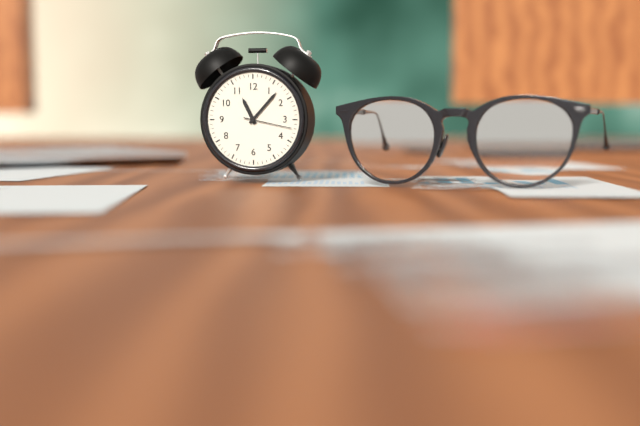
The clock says h=11 m=7
